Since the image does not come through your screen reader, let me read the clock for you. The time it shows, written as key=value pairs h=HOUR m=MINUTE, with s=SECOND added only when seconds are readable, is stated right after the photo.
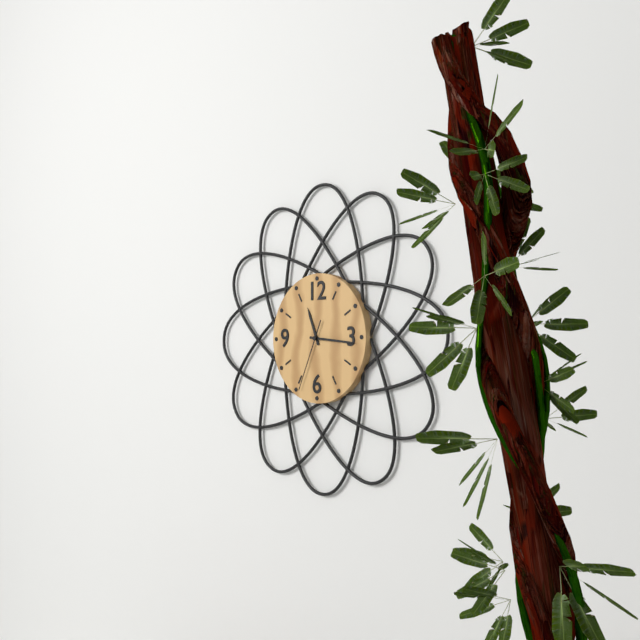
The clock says h=11 m=16 s=34
